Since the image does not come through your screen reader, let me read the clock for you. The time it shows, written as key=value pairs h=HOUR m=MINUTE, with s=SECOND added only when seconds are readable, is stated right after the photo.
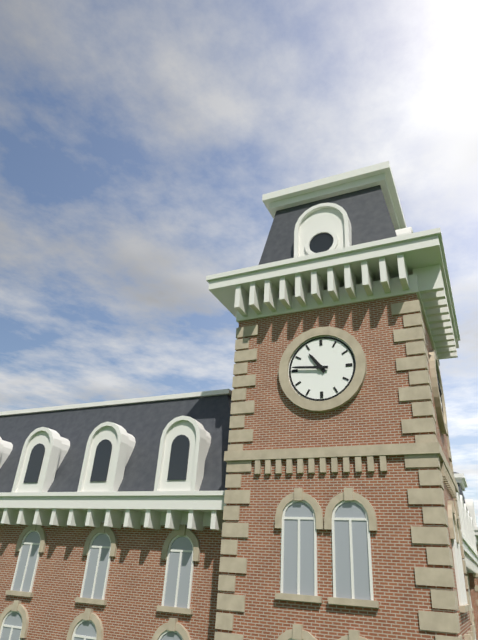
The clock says h=10 m=46
